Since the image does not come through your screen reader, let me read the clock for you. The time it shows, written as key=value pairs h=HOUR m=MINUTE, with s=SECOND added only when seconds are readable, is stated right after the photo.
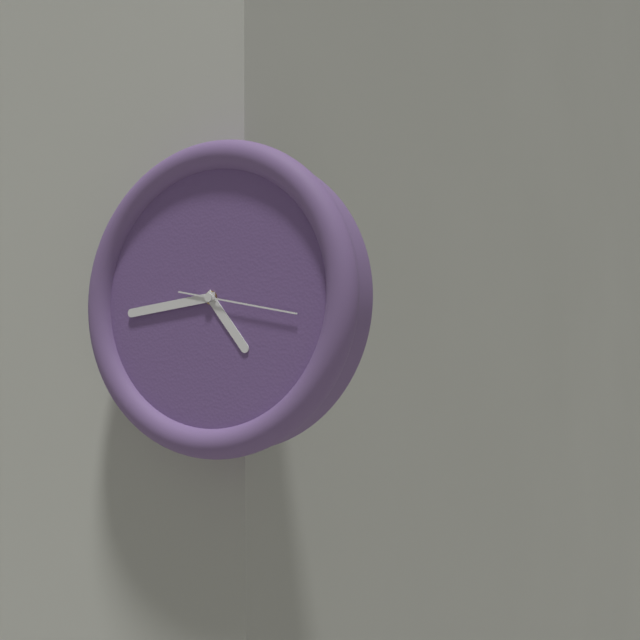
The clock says h=4 m=44 s=17
